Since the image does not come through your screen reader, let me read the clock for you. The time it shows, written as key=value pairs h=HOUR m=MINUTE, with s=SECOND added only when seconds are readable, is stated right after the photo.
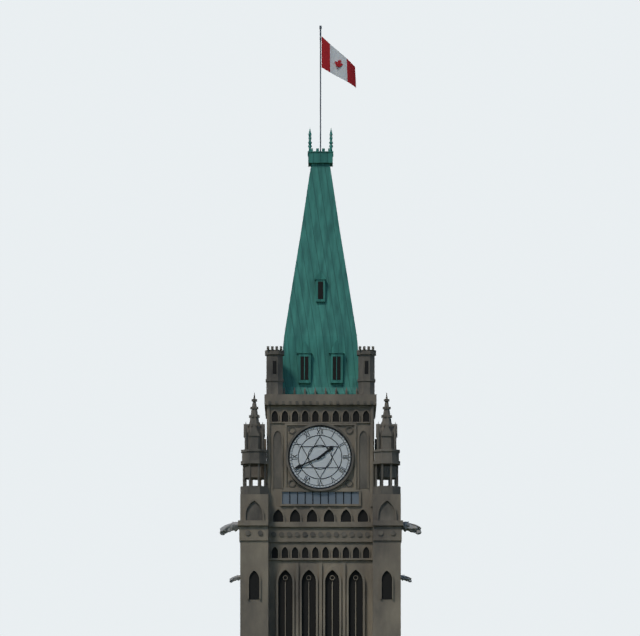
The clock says h=1 m=41
